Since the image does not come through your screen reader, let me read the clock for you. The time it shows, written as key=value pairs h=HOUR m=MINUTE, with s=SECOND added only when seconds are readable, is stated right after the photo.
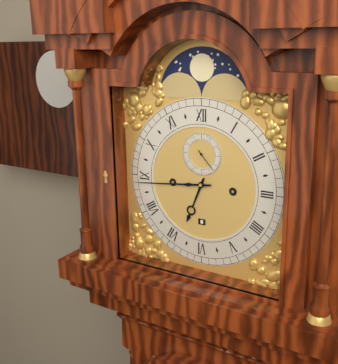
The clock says h=6 m=44
